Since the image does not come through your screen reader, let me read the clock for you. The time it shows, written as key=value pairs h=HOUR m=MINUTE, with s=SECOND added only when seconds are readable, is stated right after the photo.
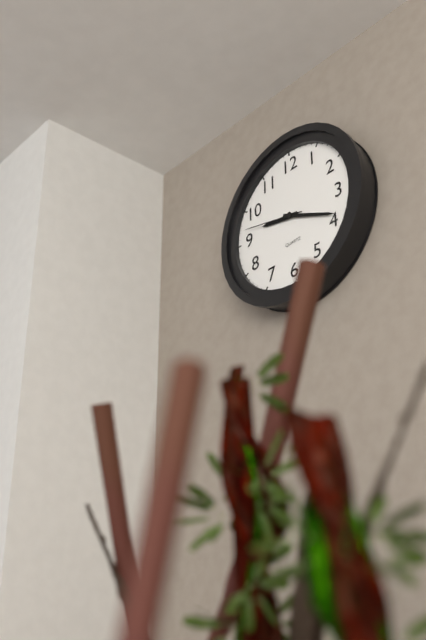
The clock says h=9 m=19 s=47
